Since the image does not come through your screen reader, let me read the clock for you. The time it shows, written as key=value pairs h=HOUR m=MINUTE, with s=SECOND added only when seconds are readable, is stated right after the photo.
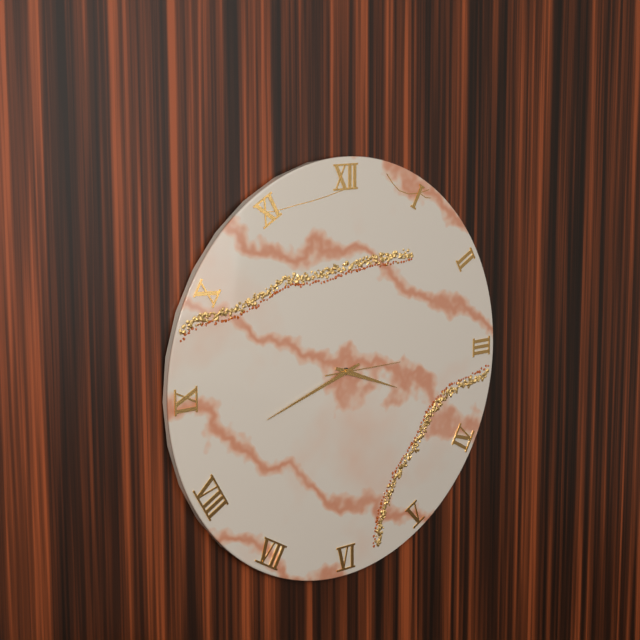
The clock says h=3 m=42 s=15
